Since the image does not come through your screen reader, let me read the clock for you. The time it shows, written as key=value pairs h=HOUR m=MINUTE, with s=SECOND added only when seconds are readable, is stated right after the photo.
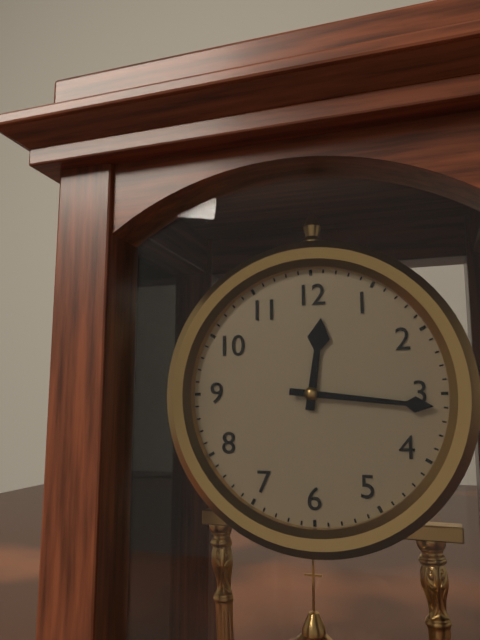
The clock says h=12 m=16
